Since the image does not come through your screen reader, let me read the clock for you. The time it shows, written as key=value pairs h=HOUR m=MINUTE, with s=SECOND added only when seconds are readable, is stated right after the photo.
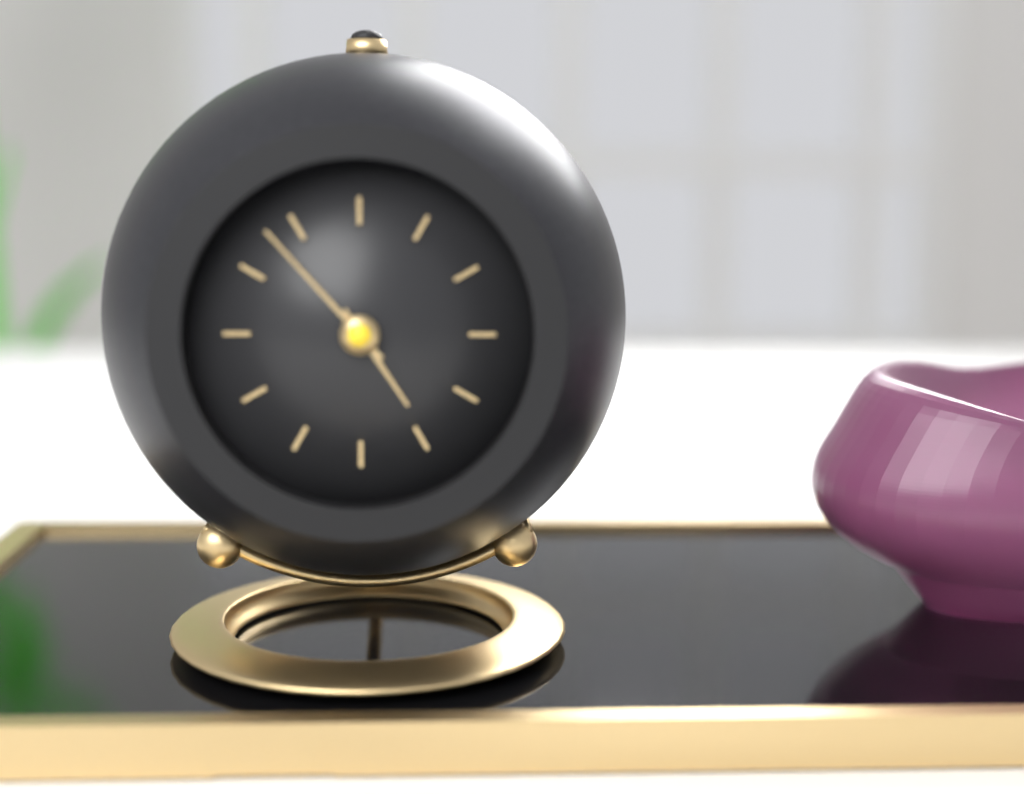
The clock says h=4 m=53
